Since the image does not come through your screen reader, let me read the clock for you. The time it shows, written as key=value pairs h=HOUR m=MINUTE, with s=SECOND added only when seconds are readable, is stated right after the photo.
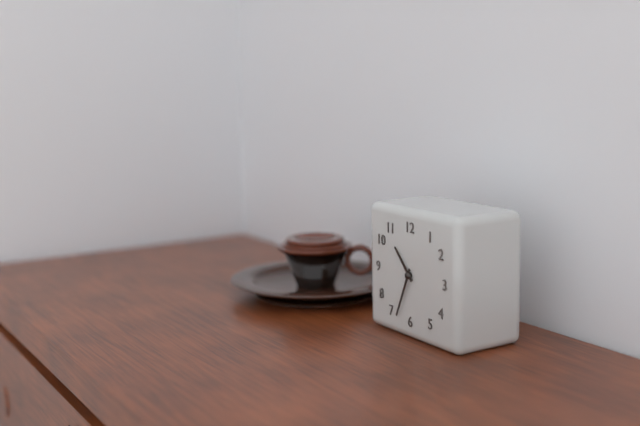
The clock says h=10 m=34
